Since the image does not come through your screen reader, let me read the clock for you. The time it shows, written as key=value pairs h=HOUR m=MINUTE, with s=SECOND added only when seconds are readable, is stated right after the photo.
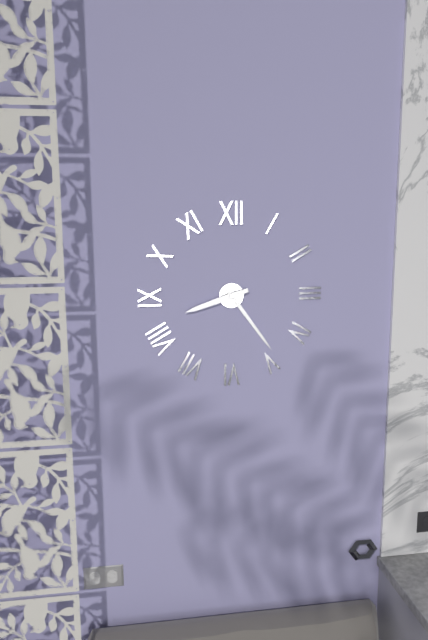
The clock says h=8 m=24
